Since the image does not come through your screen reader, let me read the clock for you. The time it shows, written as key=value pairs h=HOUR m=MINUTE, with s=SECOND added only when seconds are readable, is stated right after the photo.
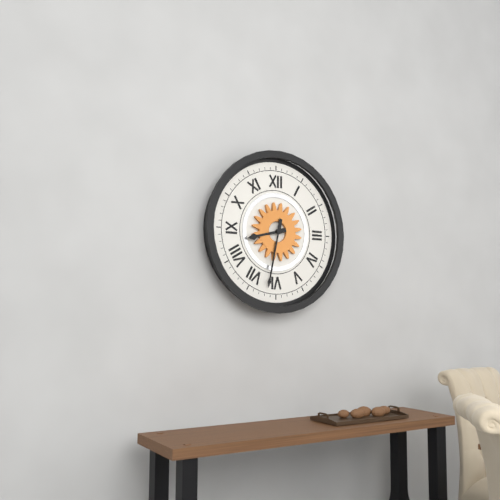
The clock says h=8 m=32
